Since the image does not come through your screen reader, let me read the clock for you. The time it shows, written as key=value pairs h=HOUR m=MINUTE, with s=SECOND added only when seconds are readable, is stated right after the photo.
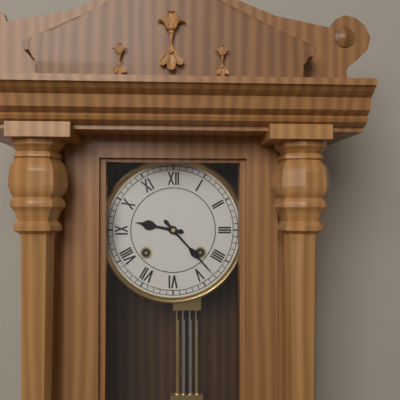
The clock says h=9 m=23
